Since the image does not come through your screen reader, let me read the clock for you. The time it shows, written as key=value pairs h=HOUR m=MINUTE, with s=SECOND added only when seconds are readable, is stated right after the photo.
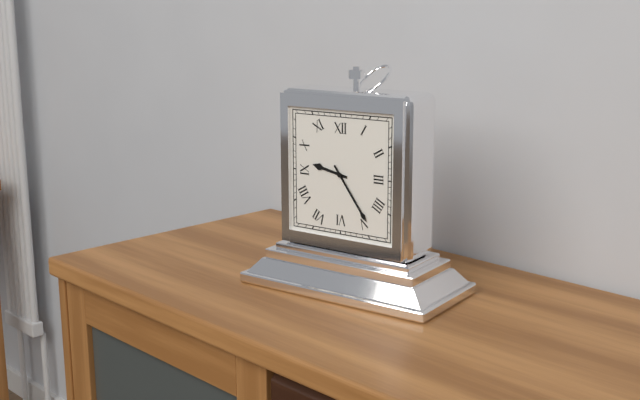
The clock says h=9 m=24
